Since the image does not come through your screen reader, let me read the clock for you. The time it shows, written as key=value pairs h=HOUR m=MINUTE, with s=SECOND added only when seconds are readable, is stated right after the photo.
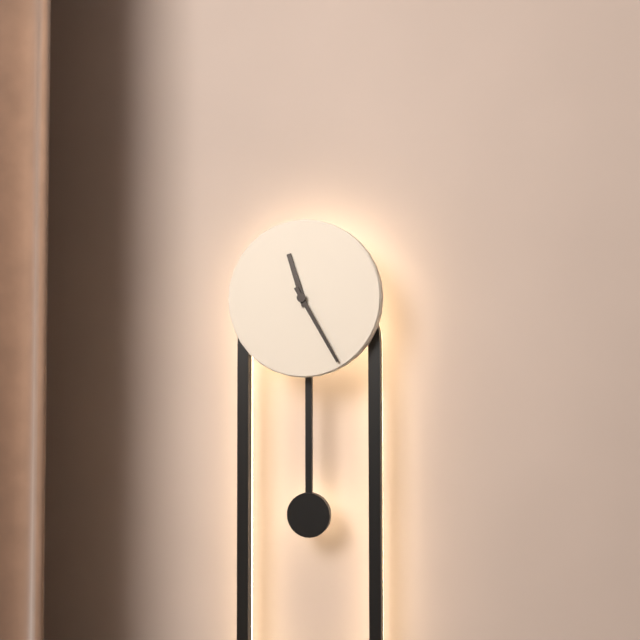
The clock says h=11 m=25
